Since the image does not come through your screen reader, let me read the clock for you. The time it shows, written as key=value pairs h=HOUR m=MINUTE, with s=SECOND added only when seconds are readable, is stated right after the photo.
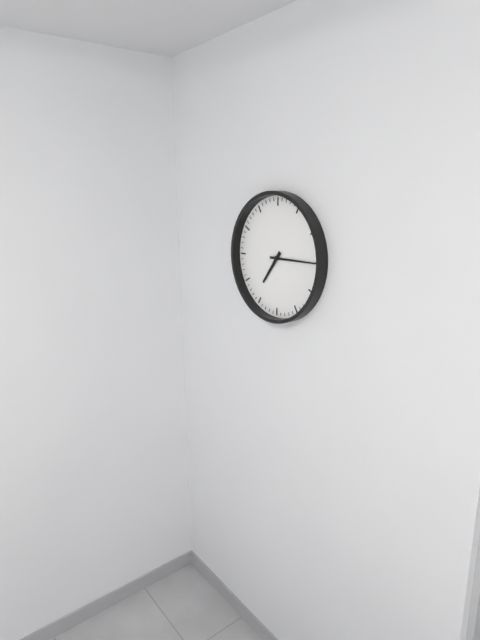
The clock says h=7 m=15
